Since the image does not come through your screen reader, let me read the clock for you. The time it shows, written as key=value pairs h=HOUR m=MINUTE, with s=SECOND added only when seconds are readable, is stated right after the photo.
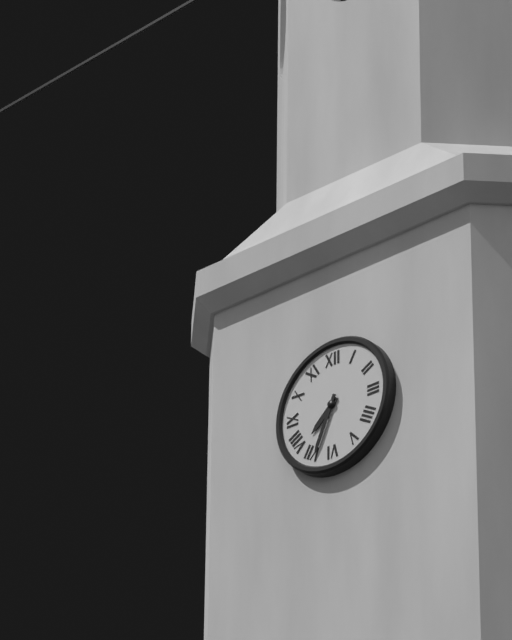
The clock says h=7 m=34
